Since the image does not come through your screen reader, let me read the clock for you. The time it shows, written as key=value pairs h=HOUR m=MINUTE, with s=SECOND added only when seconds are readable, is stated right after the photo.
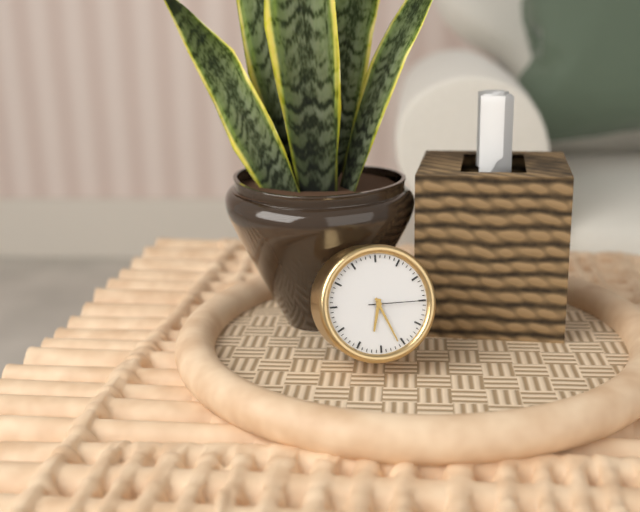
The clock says h=6 m=26 s=15
